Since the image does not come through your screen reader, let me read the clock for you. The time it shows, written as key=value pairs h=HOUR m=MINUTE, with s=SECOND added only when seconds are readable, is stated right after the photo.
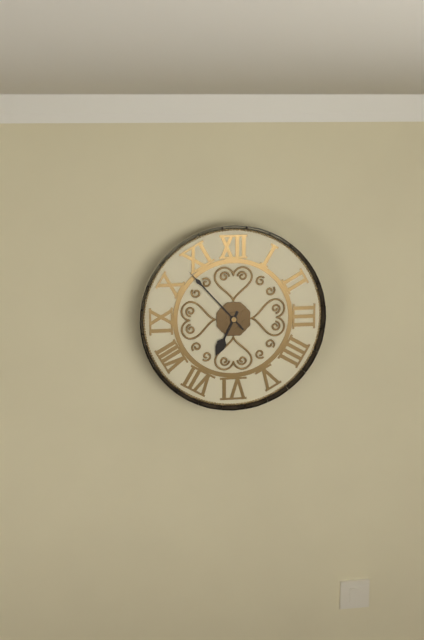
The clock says h=6 m=53
